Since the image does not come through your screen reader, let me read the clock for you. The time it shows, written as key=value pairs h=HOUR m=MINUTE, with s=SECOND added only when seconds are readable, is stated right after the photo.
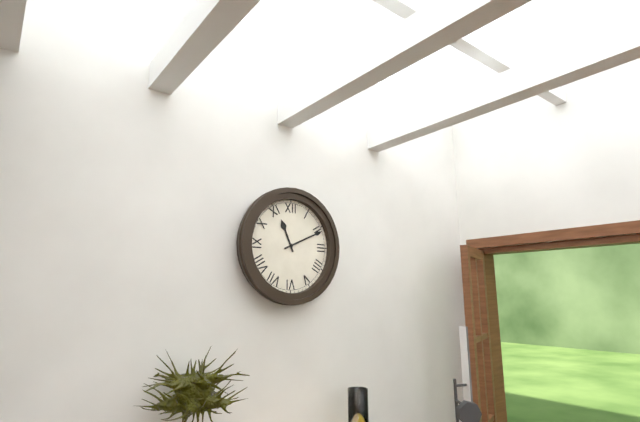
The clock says h=11 m=11
